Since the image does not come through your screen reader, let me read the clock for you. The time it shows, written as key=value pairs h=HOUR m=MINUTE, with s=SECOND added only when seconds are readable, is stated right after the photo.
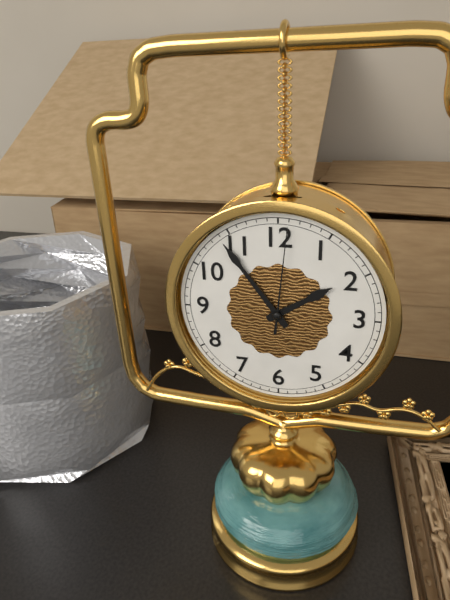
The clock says h=1 m=54 s=1
